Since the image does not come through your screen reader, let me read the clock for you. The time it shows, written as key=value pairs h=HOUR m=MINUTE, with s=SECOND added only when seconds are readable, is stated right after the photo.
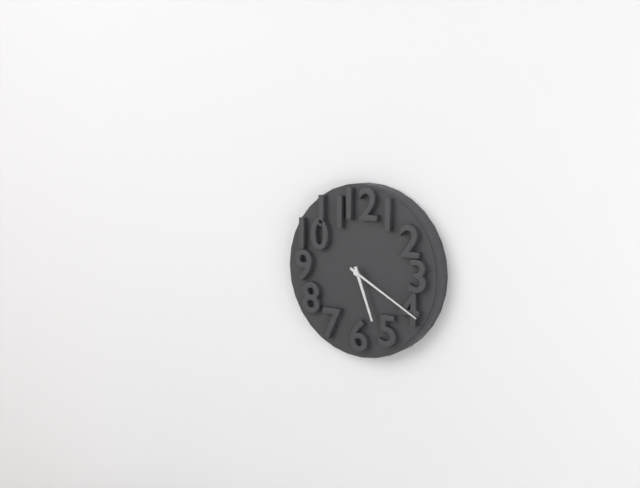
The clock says h=5 m=20
